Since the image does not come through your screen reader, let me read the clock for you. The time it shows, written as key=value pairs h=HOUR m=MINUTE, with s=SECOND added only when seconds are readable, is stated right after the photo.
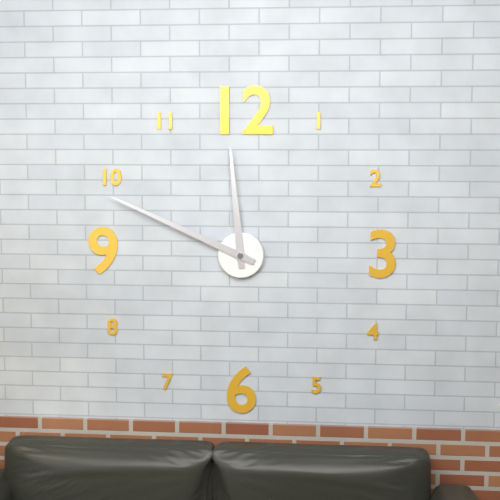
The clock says h=11 m=49
